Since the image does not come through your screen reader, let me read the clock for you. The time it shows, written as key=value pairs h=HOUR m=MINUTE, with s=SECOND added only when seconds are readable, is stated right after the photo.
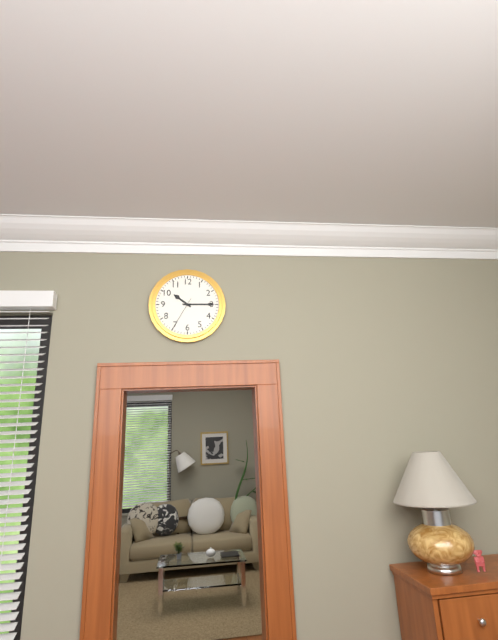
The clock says h=10 m=15
